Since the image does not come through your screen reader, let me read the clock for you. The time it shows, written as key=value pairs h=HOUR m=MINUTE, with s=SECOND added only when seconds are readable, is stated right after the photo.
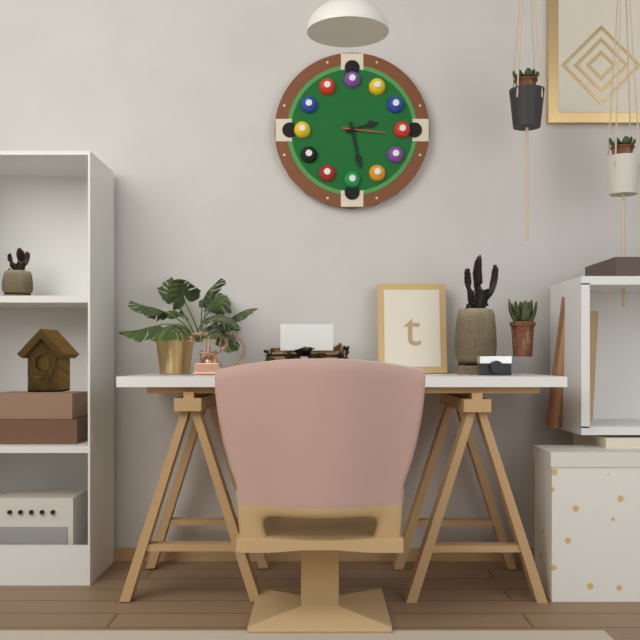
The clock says h=2 m=28
